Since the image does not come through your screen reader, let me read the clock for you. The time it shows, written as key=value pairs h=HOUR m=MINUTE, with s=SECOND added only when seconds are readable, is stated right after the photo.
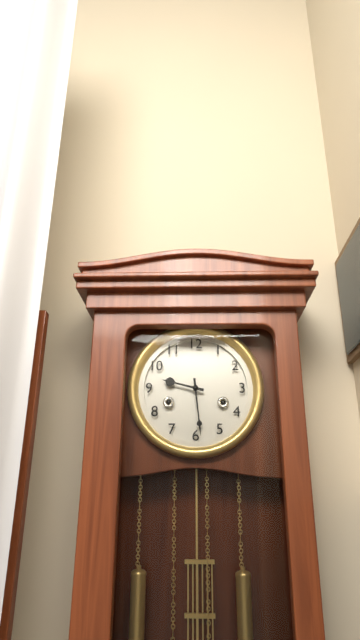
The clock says h=9 m=29
